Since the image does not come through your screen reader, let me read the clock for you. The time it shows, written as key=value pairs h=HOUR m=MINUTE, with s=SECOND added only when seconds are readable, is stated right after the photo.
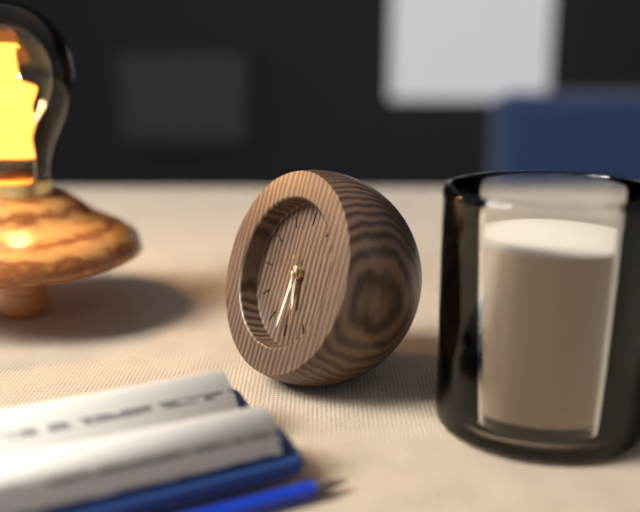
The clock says h=5 m=31 s=27
